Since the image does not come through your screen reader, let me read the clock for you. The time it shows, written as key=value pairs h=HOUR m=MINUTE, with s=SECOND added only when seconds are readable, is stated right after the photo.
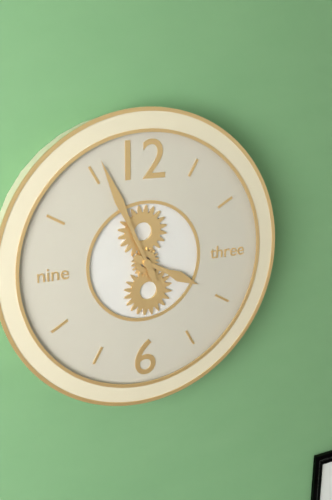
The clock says h=3 m=56
